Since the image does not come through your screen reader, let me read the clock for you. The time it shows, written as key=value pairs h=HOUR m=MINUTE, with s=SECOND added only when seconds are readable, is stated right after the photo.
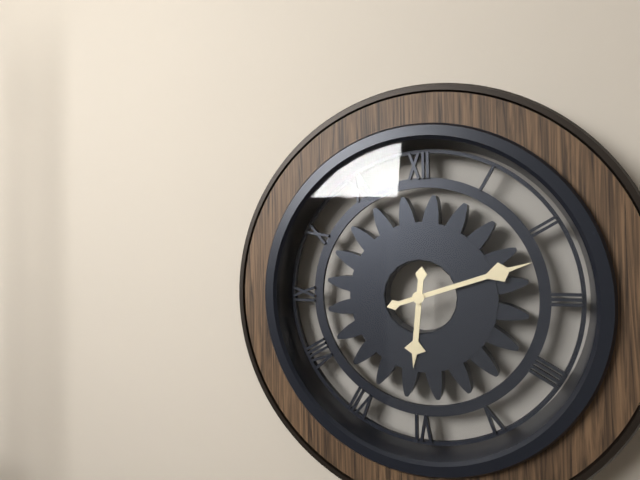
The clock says h=6 m=12
